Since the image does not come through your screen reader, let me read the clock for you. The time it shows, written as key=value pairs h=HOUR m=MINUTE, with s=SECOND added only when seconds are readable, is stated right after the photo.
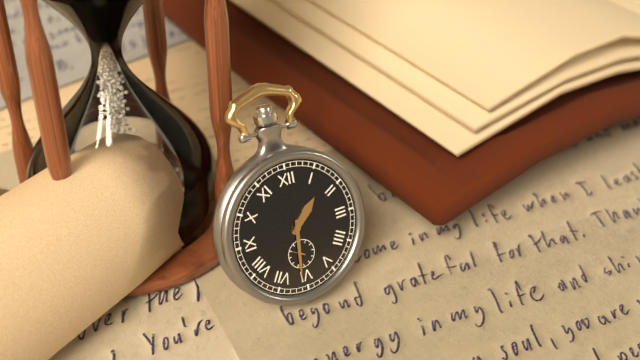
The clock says h=1 m=31
